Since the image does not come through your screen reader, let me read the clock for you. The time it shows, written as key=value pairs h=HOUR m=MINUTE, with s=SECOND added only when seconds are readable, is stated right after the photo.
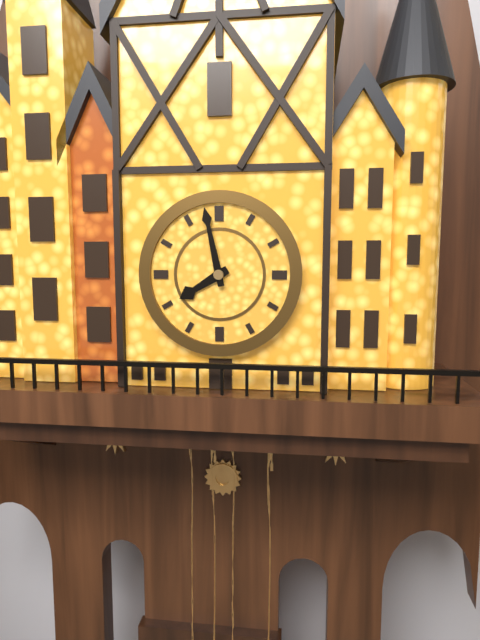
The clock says h=7 m=58
